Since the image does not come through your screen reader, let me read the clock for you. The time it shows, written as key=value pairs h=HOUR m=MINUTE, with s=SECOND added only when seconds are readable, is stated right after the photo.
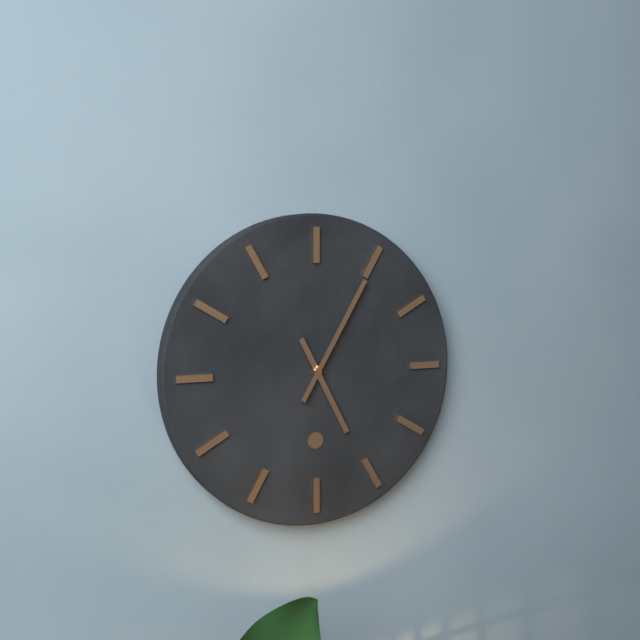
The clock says h=5 m=5
